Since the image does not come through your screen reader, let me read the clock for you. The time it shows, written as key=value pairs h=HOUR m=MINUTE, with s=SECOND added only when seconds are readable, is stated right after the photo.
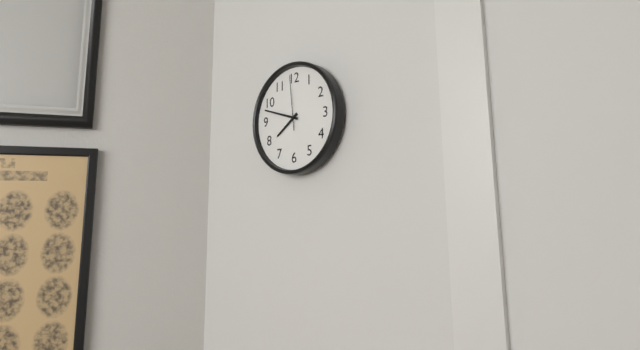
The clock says h=7 m=48 s=59
